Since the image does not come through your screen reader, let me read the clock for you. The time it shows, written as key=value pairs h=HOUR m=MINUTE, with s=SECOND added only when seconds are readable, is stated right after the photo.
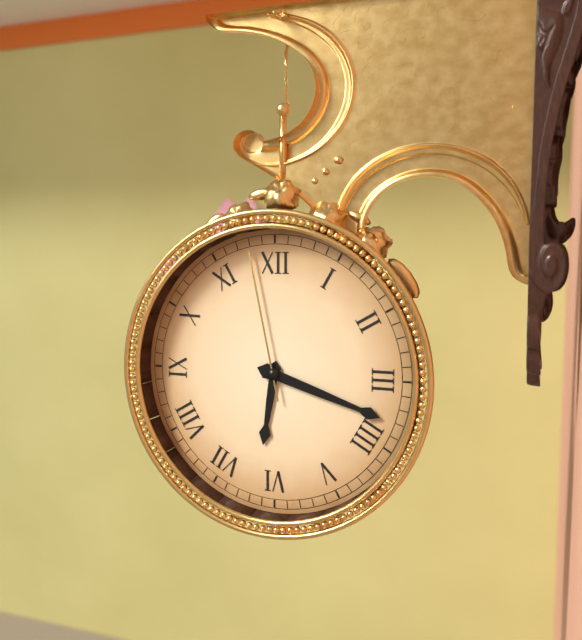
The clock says h=6 m=18 s=58
